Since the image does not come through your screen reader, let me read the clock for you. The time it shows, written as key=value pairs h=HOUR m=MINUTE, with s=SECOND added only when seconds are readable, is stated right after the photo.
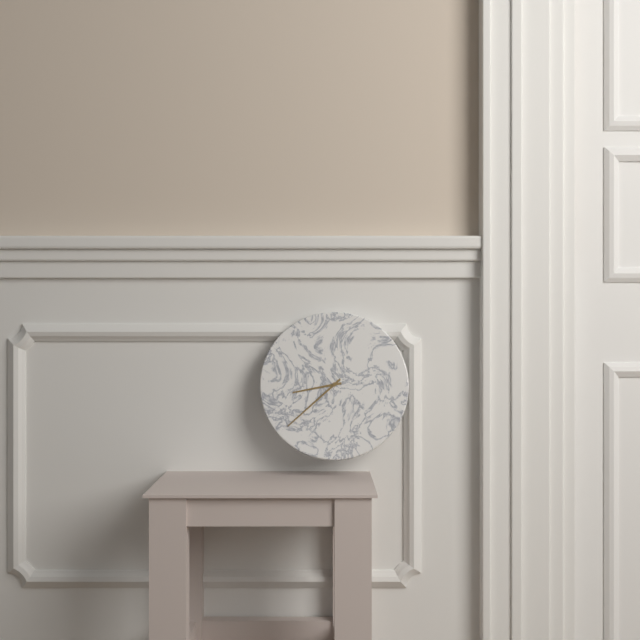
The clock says h=8 m=38
